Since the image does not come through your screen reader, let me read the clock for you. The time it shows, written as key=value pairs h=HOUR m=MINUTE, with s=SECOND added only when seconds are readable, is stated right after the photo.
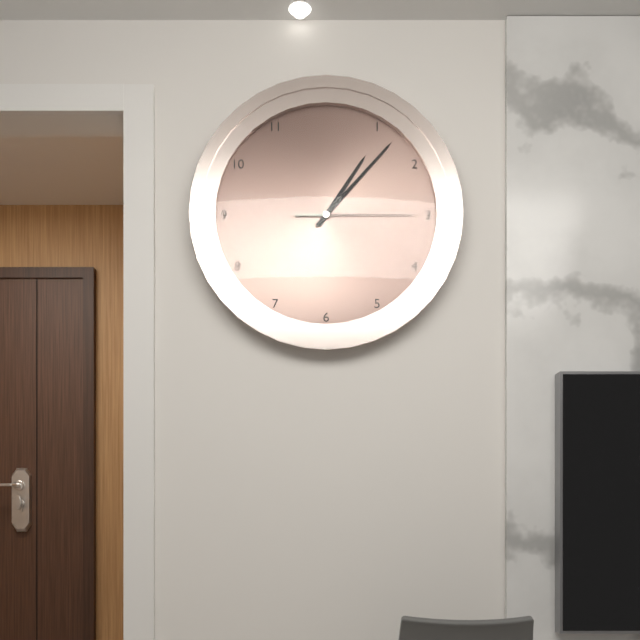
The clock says h=1 m=7 s=15
